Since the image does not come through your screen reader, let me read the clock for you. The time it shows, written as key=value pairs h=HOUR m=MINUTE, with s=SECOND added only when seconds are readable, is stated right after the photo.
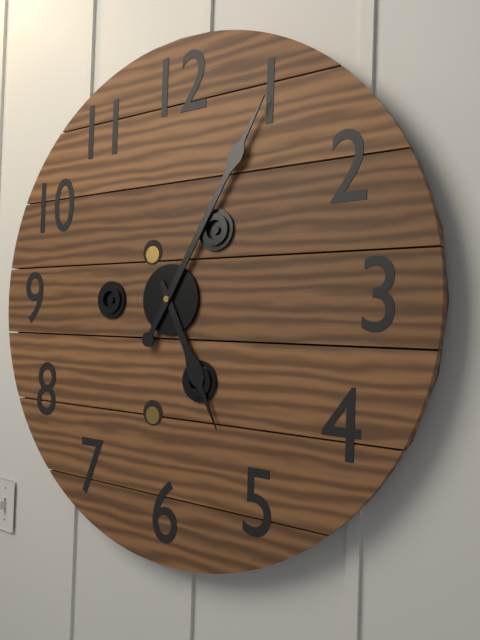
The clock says h=5 m=5
